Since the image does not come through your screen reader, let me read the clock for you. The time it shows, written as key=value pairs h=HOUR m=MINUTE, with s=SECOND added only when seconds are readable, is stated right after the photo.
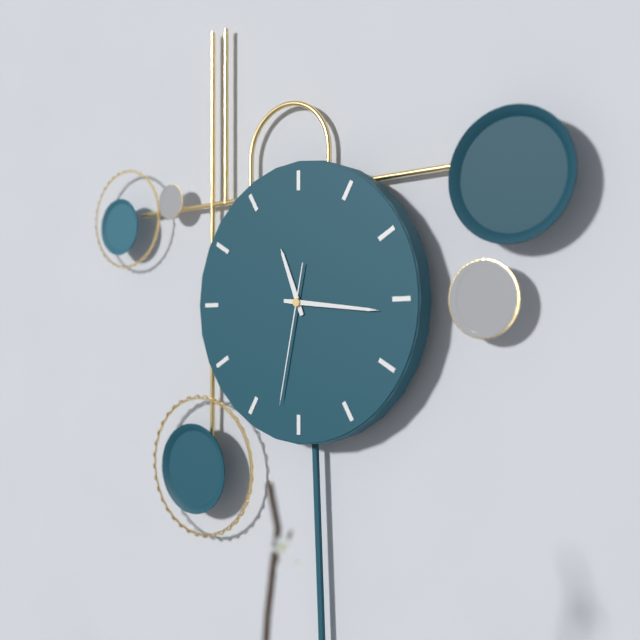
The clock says h=11 m=16 s=32
